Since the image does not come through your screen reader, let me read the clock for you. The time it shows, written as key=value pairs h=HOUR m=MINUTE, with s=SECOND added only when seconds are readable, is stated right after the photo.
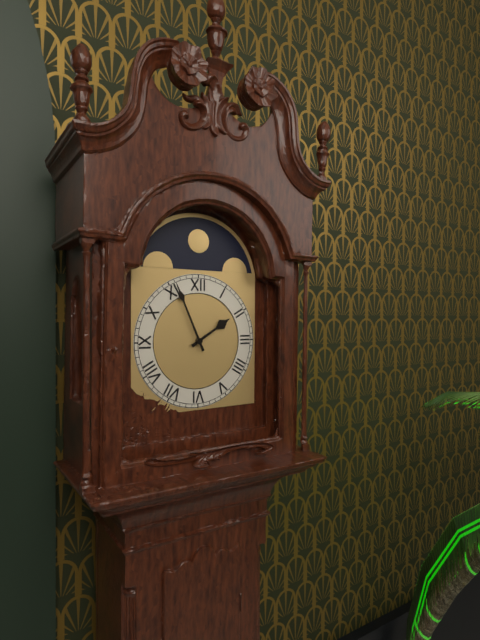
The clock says h=1 m=56
